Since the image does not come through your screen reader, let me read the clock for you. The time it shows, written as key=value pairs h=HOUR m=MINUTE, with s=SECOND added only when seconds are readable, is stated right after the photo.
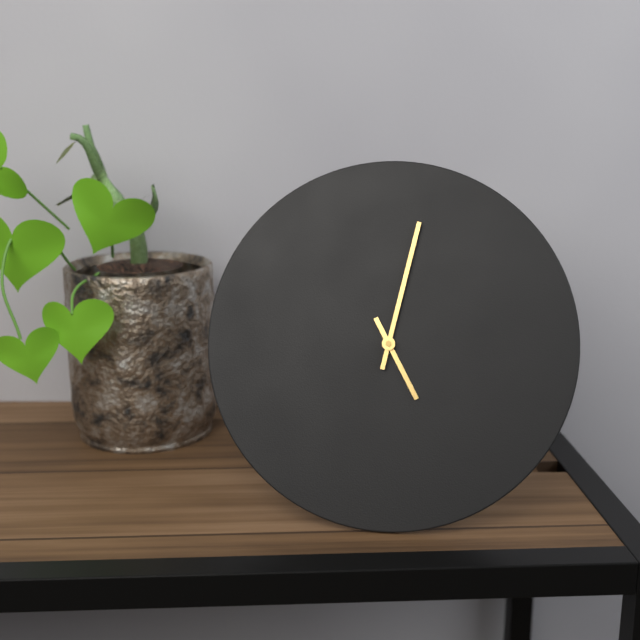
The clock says h=5 m=2
